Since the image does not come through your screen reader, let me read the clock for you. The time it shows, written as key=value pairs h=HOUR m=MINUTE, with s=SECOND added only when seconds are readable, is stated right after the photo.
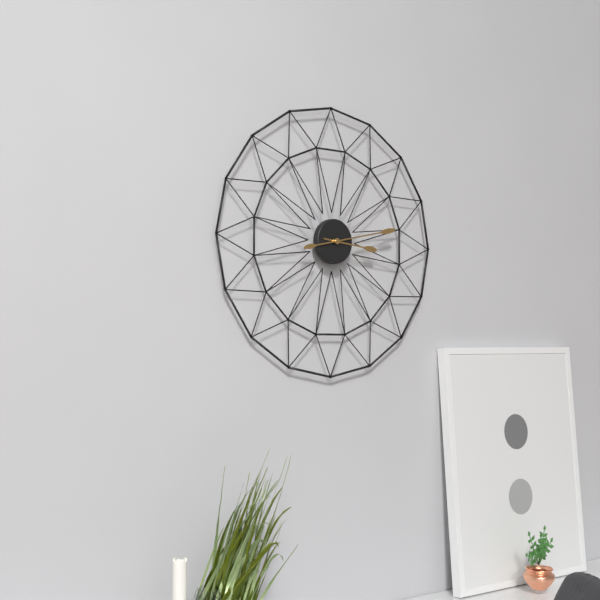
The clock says h=3 m=13
